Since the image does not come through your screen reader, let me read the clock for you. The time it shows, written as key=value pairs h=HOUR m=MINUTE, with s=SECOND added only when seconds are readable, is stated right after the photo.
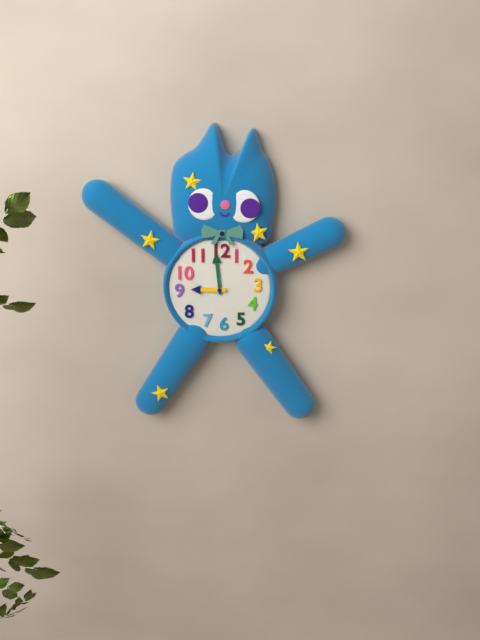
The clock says h=8 m=59
